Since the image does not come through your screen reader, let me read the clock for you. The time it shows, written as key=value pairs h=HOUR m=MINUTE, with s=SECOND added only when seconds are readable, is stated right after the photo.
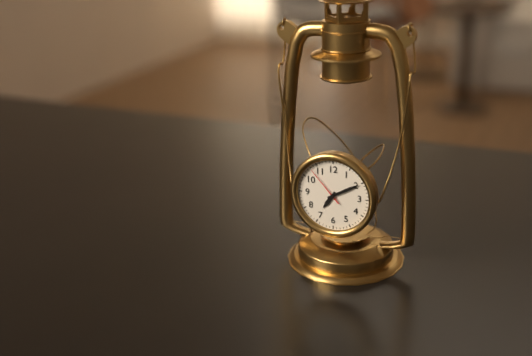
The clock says h=7 m=10
